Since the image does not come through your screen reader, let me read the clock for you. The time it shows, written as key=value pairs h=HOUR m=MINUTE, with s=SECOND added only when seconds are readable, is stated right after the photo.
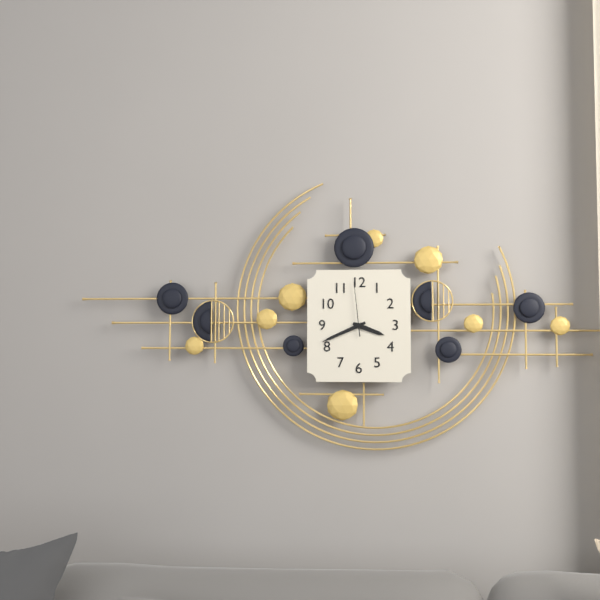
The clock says h=3 m=41 s=59
